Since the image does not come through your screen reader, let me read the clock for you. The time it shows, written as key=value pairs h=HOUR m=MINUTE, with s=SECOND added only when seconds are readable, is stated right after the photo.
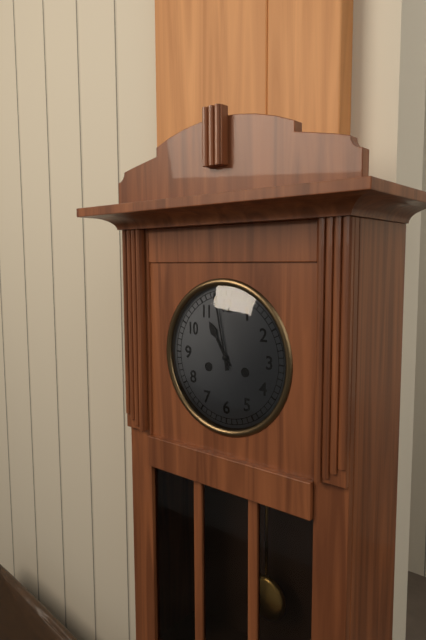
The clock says h=10 m=58
